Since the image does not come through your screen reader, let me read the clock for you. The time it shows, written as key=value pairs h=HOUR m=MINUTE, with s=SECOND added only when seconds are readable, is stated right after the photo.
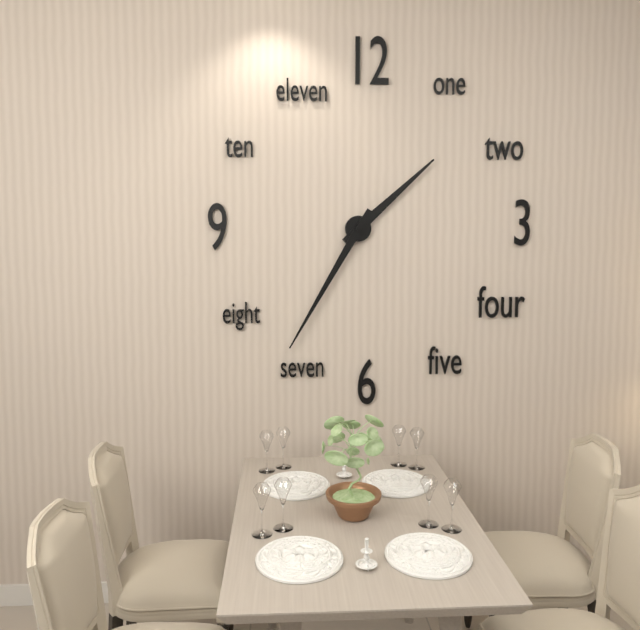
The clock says h=1 m=35
